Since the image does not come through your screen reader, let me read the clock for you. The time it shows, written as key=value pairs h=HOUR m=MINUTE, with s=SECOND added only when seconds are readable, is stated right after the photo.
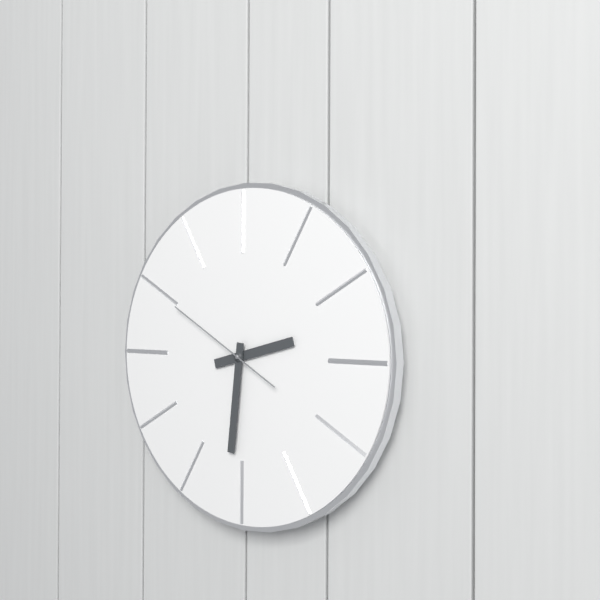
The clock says h=2 m=31 s=50
